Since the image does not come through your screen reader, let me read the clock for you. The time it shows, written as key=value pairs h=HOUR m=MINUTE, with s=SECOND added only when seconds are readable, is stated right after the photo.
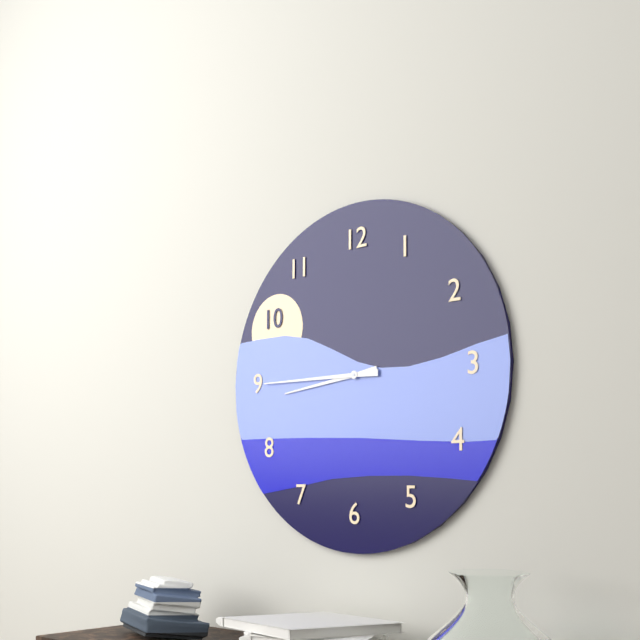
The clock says h=8 m=45
